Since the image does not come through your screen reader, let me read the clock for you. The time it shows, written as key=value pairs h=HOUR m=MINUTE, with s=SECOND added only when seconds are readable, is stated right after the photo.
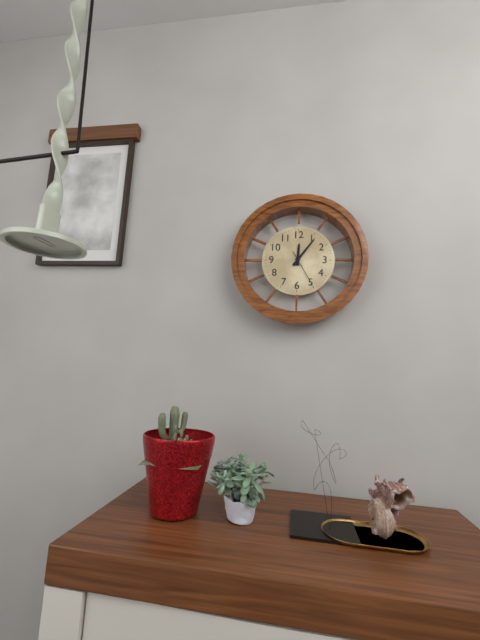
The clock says h=12 m=6
